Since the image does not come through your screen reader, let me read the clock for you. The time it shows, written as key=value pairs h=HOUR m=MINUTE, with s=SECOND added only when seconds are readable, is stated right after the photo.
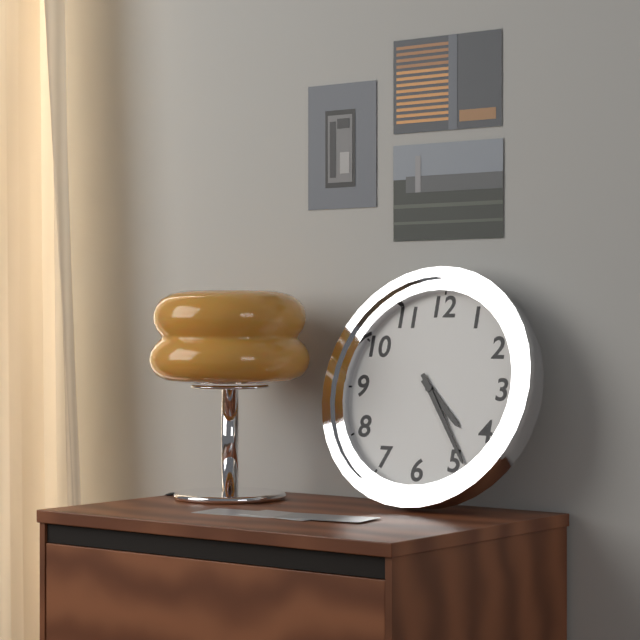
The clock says h=4 m=24
